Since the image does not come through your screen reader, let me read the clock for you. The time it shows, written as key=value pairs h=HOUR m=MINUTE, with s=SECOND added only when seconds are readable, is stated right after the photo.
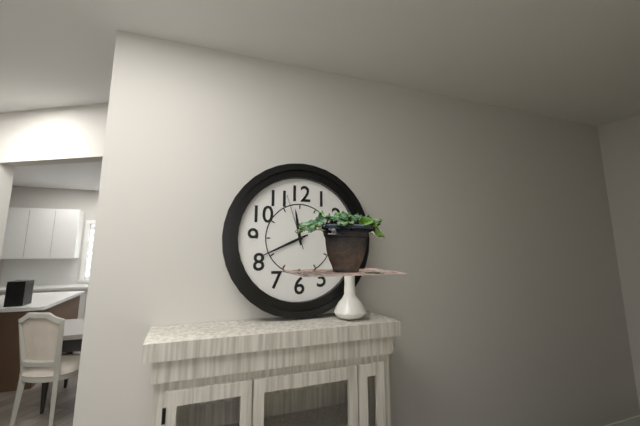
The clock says h=11 m=41 s=57
